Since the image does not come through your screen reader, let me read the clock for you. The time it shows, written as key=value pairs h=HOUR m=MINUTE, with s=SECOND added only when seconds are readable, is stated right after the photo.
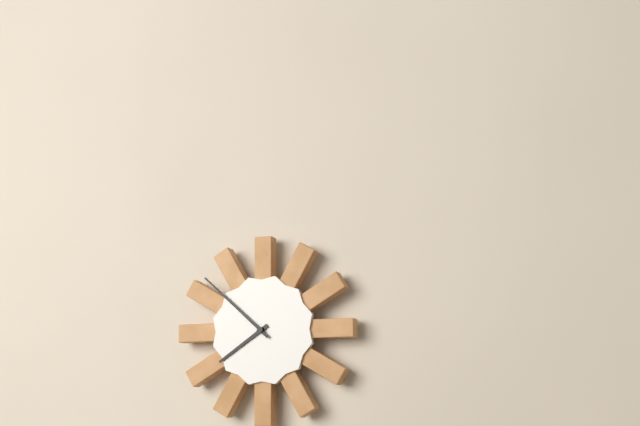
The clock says h=7 m=52
